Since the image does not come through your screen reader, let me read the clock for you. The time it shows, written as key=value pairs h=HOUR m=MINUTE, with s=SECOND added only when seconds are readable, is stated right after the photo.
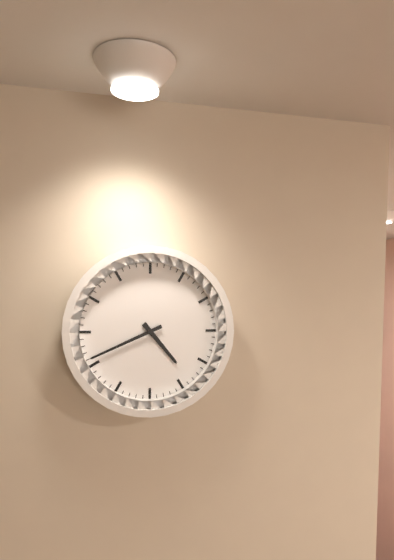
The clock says h=4 m=41
